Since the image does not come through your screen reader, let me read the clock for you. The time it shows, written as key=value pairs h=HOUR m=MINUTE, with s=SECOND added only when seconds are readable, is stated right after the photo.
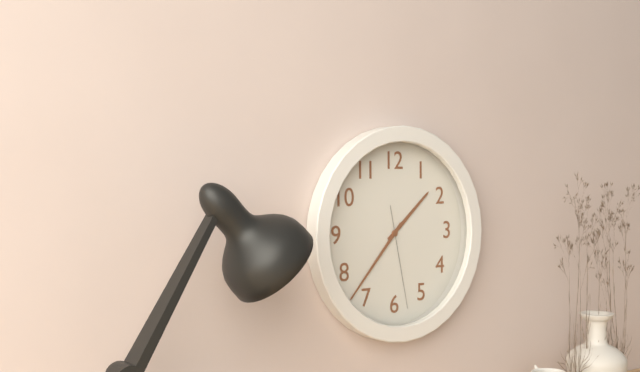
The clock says h=1 m=37 s=28
